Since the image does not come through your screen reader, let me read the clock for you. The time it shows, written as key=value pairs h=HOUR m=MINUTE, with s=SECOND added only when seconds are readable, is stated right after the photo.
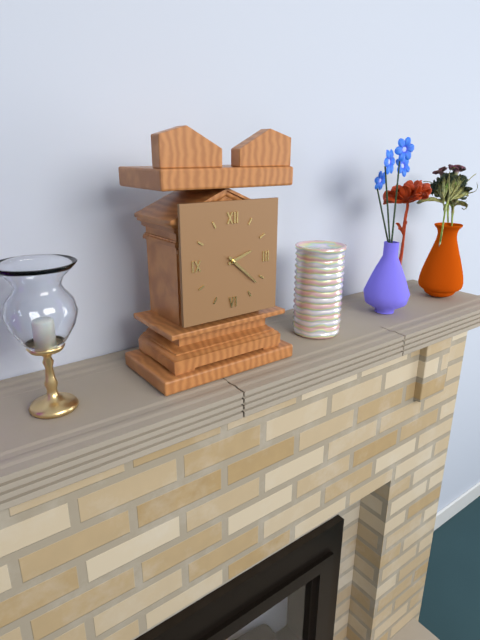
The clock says h=2 m=22
